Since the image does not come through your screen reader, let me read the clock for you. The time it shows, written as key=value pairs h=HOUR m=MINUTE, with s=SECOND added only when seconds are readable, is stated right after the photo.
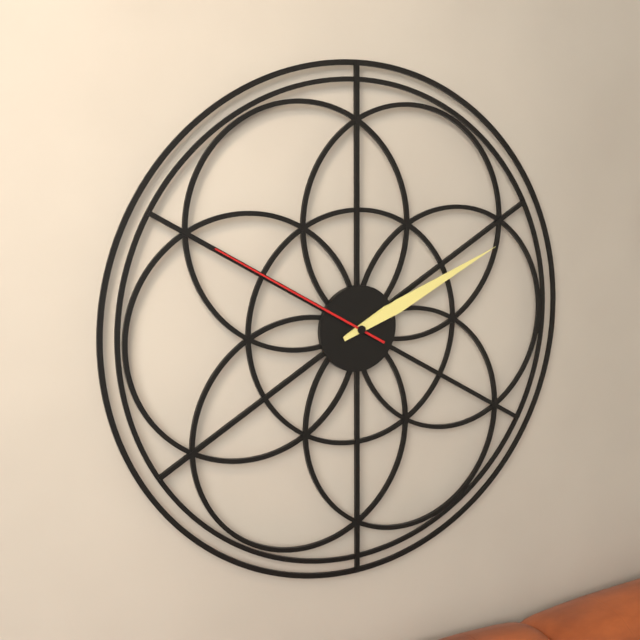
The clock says h=2 m=11 s=50
